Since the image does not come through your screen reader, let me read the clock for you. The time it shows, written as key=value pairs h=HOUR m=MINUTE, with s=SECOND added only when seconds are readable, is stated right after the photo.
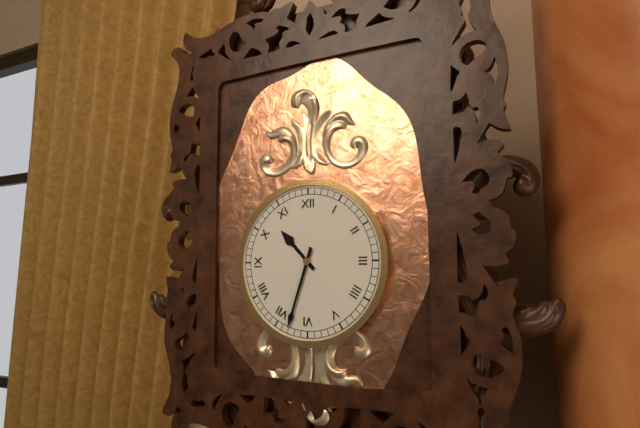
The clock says h=10 m=33
